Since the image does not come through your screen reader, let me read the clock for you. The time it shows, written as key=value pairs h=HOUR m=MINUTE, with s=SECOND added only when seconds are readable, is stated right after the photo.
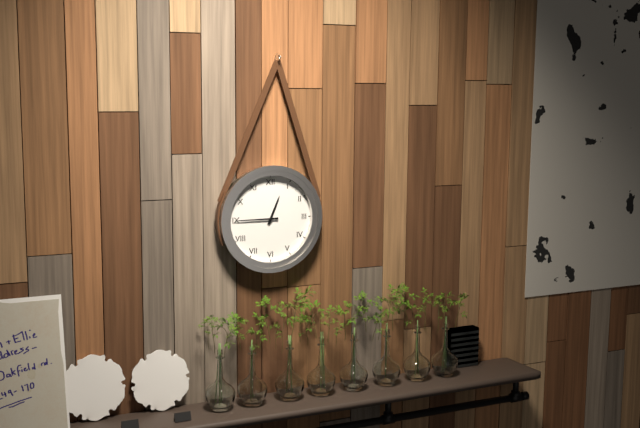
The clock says h=12 m=45
